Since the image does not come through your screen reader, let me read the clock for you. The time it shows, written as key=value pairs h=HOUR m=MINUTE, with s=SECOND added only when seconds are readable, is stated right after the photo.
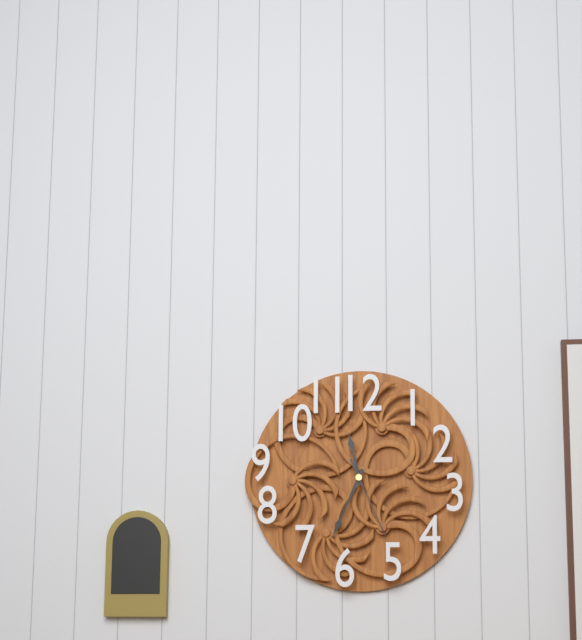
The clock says h=11 m=34 s=26
